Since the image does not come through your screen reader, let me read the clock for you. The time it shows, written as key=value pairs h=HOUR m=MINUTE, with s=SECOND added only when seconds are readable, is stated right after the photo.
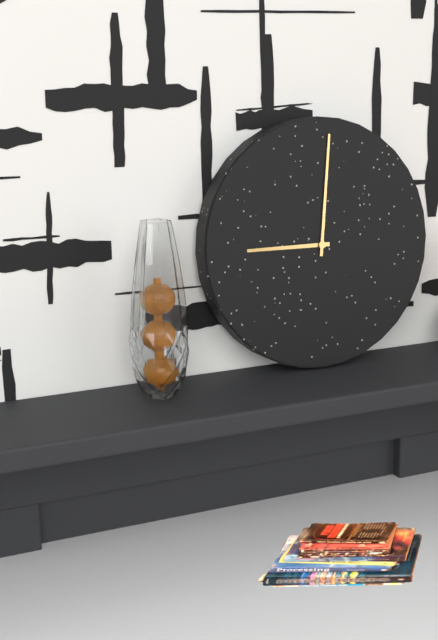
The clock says h=9 m=1
